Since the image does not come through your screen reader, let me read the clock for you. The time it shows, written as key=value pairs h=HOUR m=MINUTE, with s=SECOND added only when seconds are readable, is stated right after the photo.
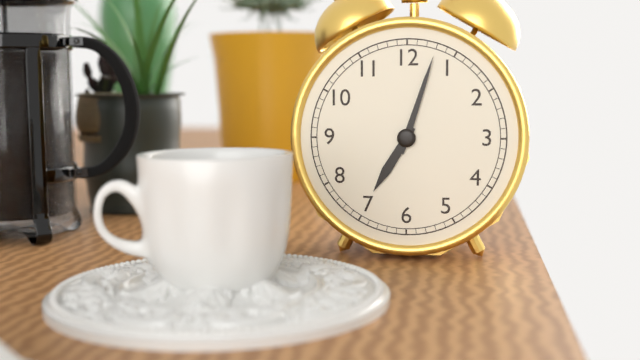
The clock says h=7 m=3
